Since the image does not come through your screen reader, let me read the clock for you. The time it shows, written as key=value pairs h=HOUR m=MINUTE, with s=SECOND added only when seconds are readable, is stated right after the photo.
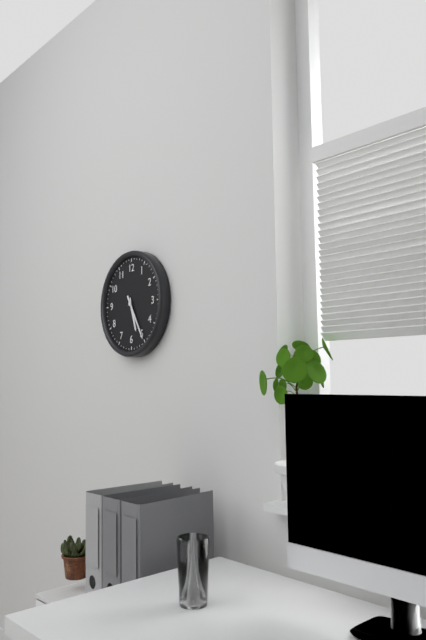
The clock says h=5 m=25
